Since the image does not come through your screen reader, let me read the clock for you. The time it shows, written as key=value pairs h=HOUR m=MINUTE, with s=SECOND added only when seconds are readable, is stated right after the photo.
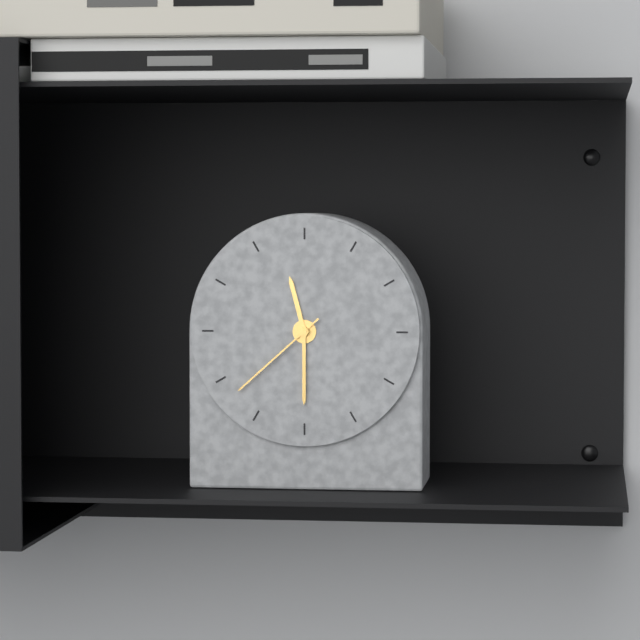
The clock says h=11 m=30 s=38
